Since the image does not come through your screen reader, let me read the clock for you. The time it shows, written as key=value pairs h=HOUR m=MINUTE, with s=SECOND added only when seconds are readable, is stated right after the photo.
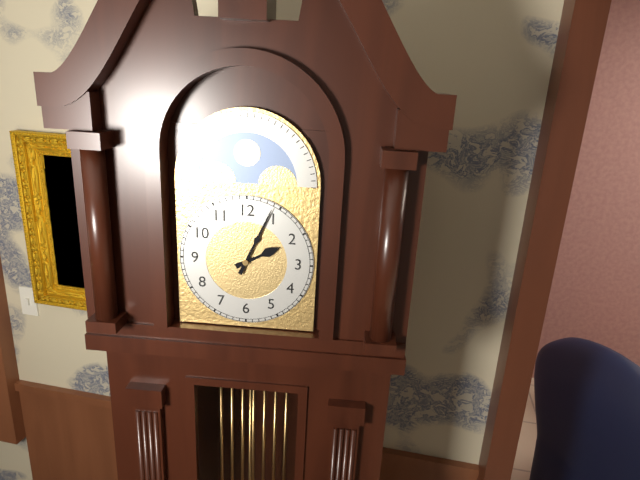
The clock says h=2 m=4
